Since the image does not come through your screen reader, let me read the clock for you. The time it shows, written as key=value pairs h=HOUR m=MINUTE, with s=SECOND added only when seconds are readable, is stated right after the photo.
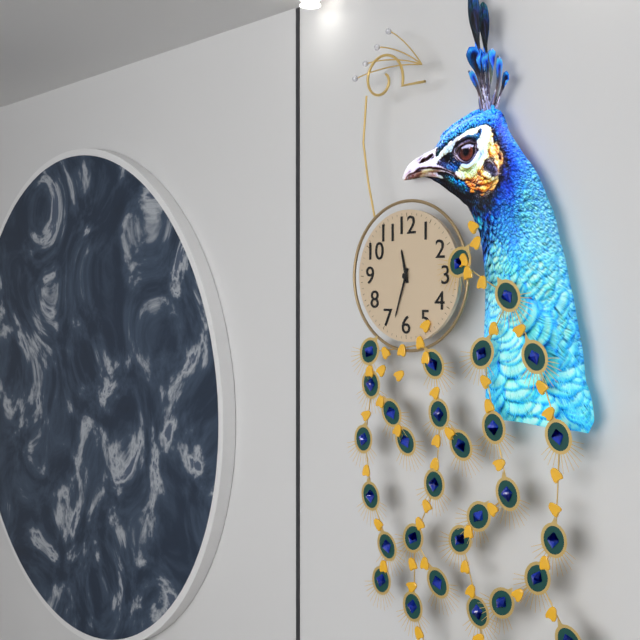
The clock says h=11 m=33
